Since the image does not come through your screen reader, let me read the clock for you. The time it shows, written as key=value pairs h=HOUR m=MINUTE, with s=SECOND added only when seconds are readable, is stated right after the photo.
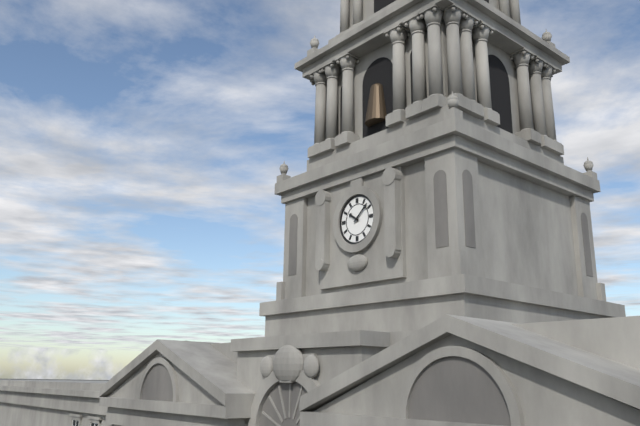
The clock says h=10 m=8
